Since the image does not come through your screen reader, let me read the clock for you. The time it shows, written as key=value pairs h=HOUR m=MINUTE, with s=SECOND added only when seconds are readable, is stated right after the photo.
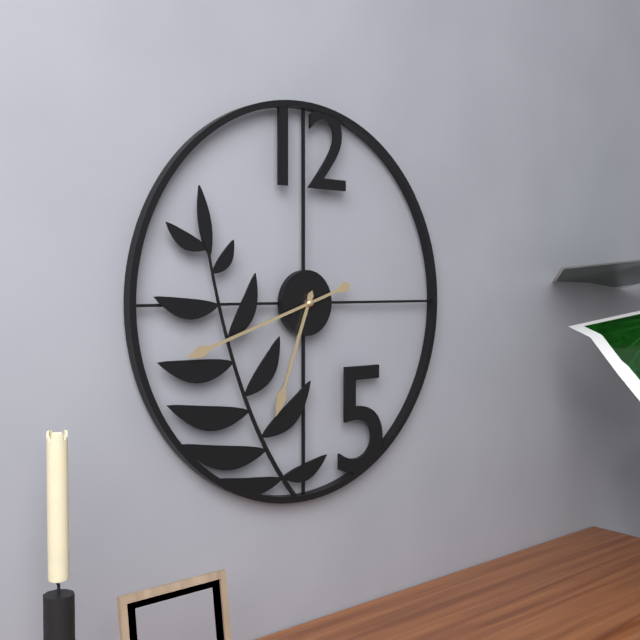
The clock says h=6 m=42
